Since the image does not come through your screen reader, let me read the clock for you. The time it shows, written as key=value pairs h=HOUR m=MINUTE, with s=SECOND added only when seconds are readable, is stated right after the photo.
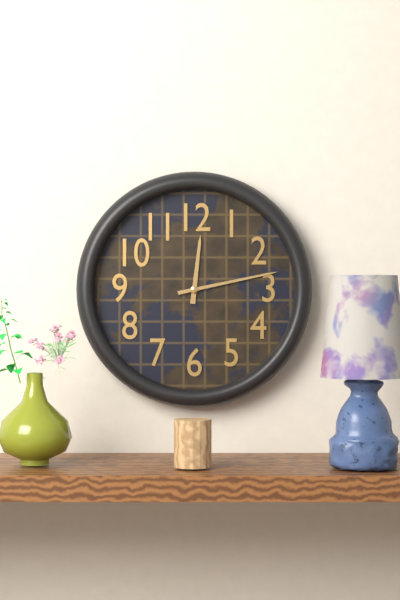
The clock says h=12 m=13
